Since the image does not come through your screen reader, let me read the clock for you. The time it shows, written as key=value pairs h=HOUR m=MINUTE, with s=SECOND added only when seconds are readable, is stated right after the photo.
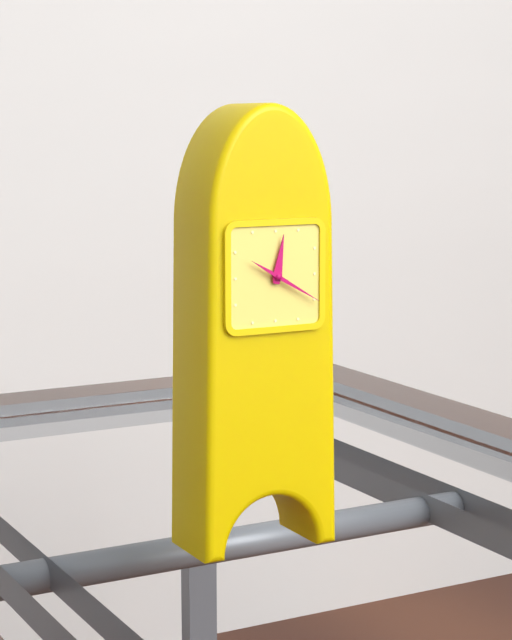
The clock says h=12 m=20
